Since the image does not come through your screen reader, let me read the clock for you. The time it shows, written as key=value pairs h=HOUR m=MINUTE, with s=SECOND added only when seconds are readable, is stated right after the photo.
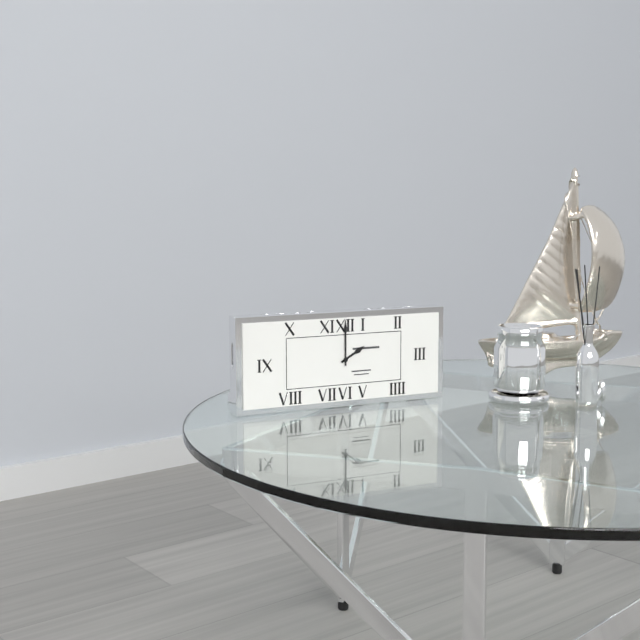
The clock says h=2 m=0
